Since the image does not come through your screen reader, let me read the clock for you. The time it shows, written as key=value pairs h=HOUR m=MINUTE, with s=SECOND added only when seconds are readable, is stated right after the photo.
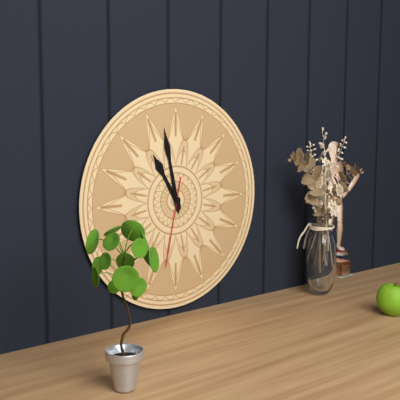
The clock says h=10 m=58 s=32
